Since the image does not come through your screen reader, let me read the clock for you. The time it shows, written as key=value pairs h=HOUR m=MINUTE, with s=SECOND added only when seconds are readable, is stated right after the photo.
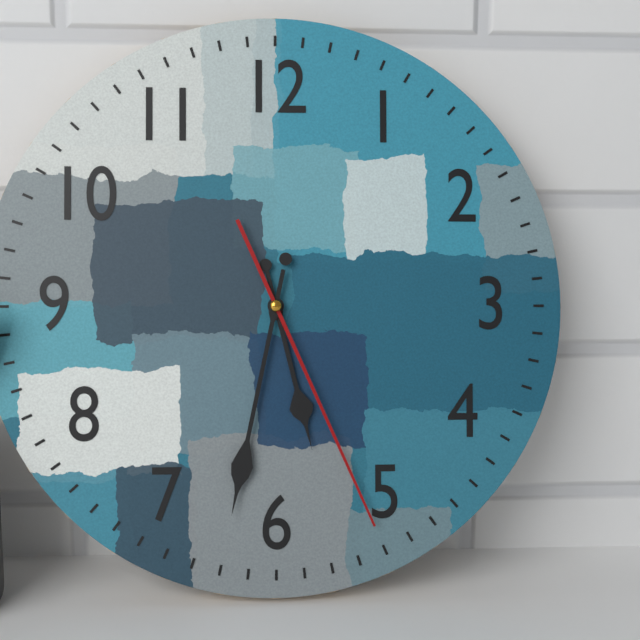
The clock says h=5 m=32 s=26
